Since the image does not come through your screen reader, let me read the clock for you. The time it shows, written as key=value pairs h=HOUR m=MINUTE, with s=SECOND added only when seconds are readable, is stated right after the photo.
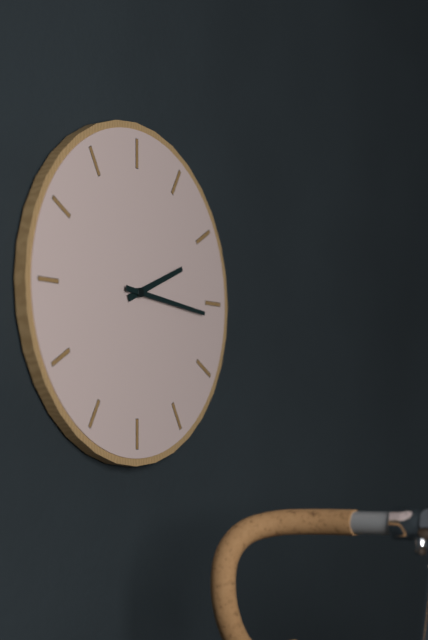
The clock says h=2 m=16
